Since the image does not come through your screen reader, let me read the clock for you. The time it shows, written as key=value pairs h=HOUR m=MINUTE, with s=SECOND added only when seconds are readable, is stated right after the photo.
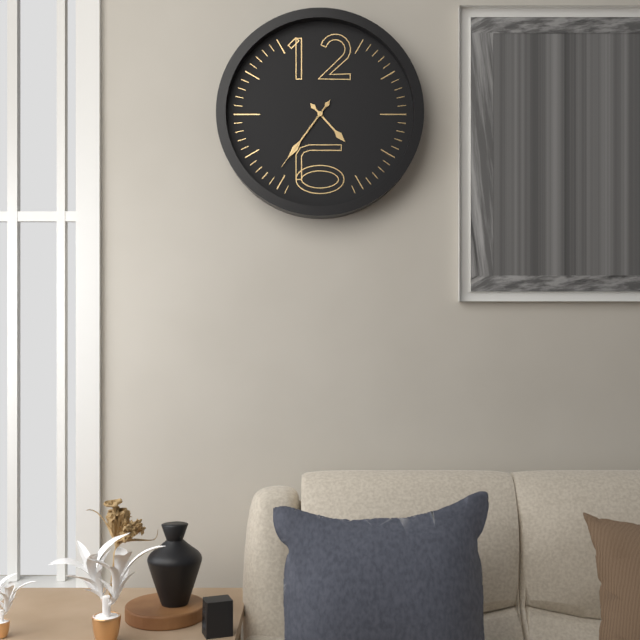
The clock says h=4 m=36 s=36
